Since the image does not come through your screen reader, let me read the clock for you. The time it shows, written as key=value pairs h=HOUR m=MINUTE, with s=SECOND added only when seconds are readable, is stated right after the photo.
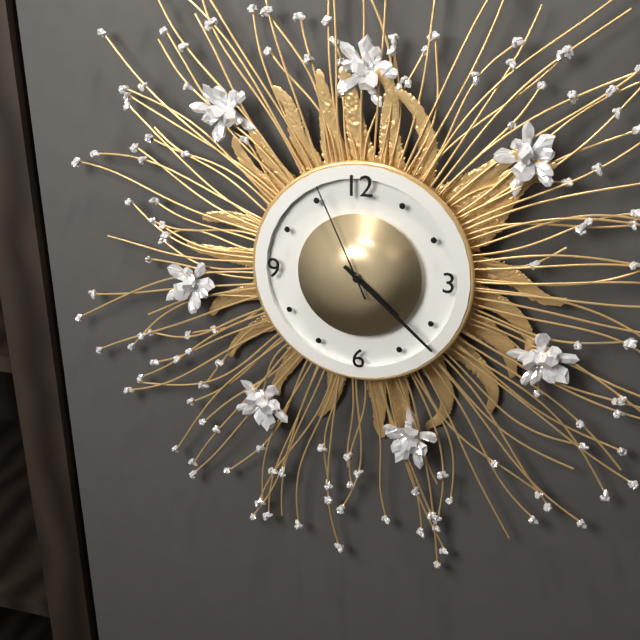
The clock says h=4 m=22 s=56
